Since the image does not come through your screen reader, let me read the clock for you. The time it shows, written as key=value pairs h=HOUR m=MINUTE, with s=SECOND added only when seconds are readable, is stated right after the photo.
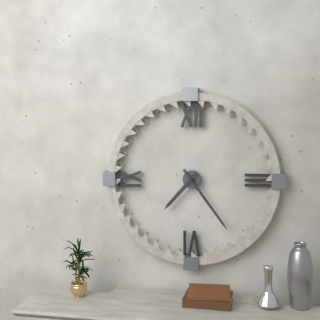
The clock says h=7 m=24
